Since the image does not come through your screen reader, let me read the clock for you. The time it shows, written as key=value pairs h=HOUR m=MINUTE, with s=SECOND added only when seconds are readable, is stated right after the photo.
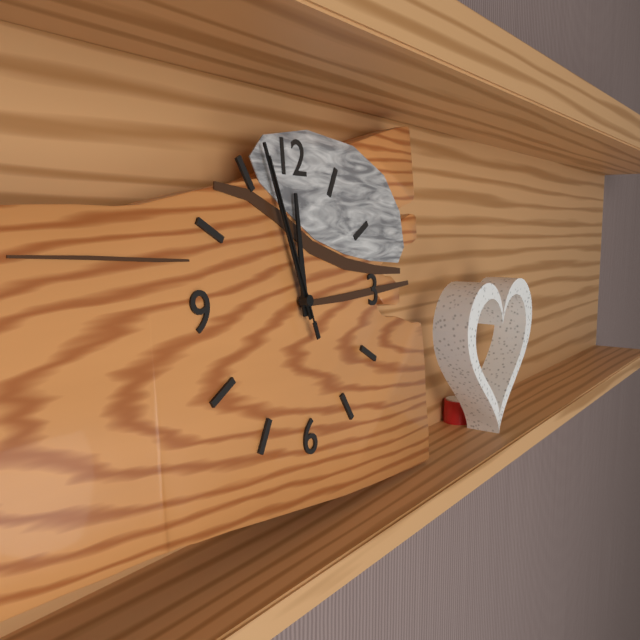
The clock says h=11 m=57 s=57
